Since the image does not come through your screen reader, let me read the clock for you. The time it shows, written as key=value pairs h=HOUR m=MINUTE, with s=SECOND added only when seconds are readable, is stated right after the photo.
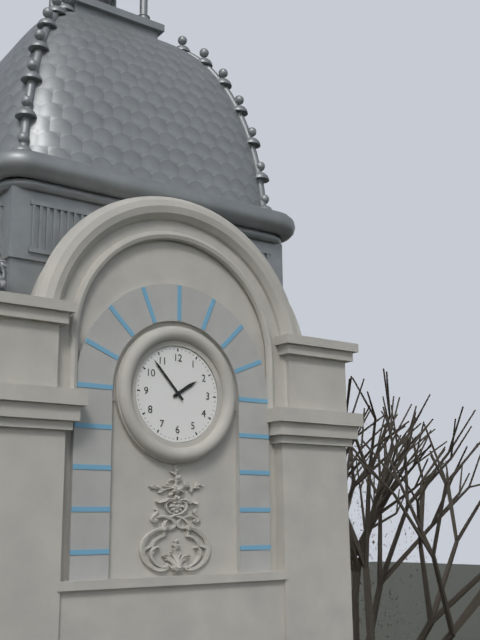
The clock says h=1 m=53
